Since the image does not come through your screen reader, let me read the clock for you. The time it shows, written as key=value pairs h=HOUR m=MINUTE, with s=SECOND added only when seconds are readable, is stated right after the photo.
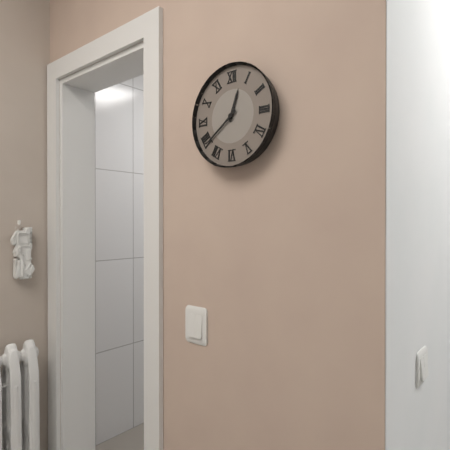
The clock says h=12 m=39
